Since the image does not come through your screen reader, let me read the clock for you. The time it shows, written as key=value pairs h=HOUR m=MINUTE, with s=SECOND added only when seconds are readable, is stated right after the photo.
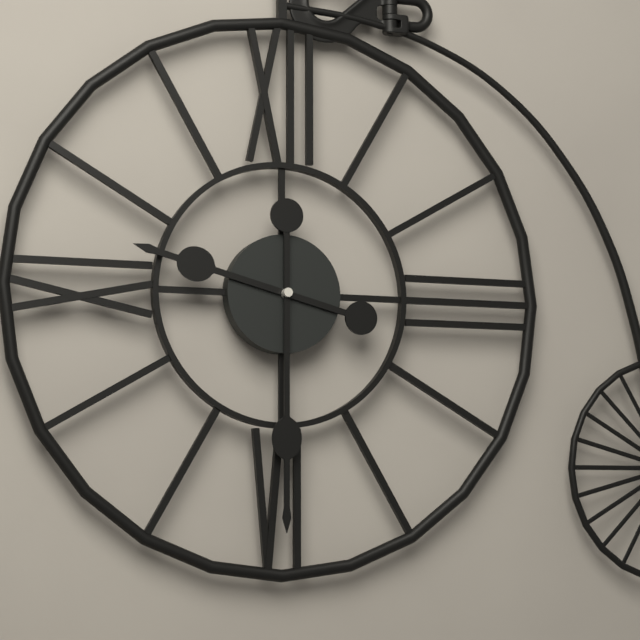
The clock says h=9 m=30
